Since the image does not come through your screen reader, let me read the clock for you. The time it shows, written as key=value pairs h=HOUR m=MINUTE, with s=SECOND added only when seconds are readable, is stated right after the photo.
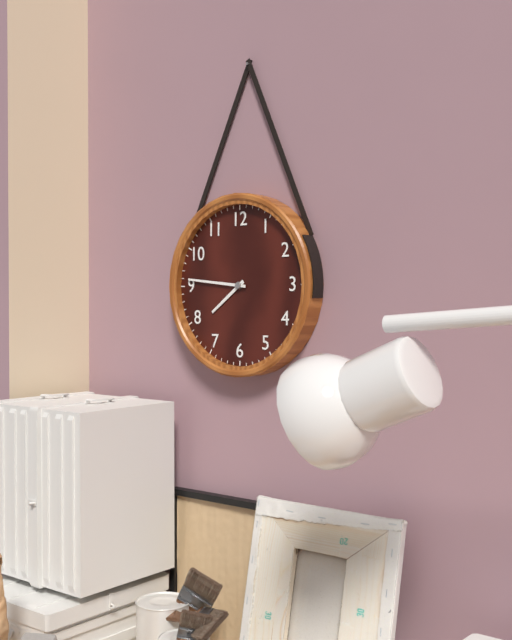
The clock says h=7 m=46
